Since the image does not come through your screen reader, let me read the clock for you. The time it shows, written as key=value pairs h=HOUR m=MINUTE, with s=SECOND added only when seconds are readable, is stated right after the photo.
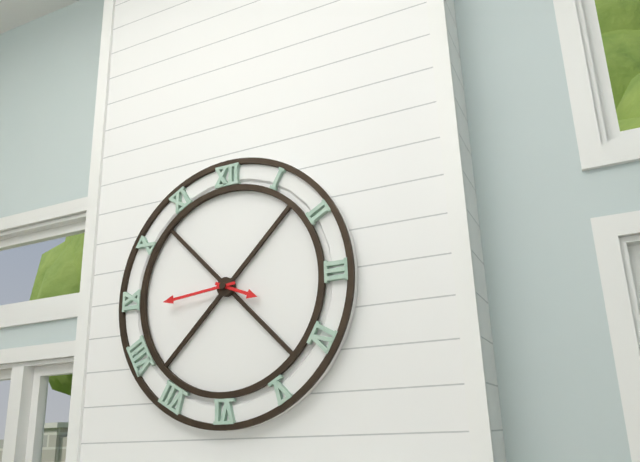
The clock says h=3 m=44
